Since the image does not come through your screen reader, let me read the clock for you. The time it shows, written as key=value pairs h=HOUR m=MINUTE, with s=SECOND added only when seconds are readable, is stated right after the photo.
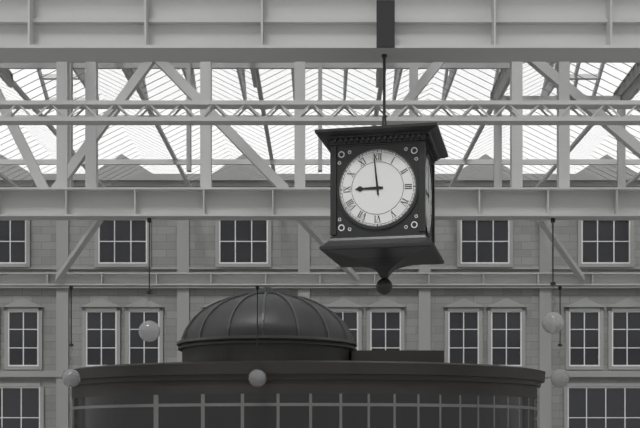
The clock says h=8 m=59
